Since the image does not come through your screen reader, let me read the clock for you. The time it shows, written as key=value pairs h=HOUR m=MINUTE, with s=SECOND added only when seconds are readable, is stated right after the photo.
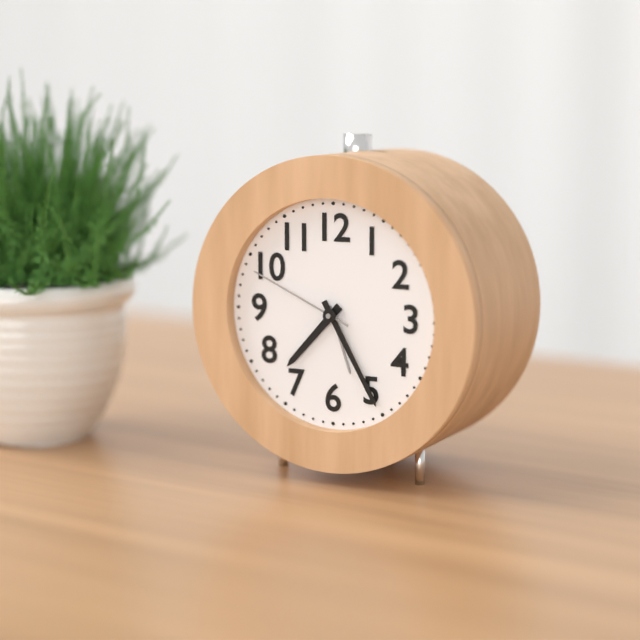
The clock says h=7 m=25 s=49
